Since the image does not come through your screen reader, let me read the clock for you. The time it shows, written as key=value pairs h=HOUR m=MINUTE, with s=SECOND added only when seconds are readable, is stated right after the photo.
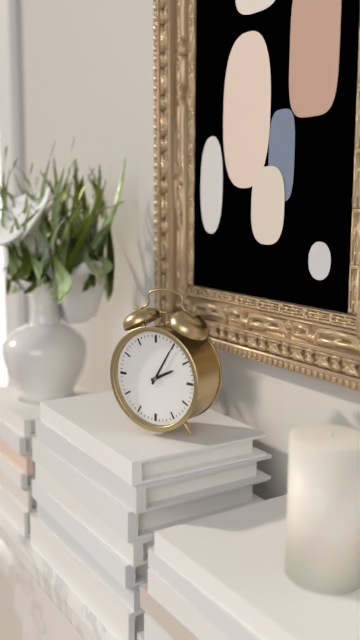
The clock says h=2 m=5
